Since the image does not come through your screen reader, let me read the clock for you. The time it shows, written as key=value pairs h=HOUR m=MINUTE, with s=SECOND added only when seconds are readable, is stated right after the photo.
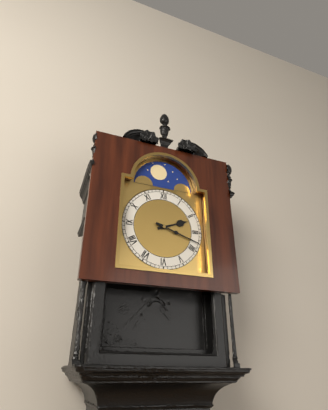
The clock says h=2 m=18
